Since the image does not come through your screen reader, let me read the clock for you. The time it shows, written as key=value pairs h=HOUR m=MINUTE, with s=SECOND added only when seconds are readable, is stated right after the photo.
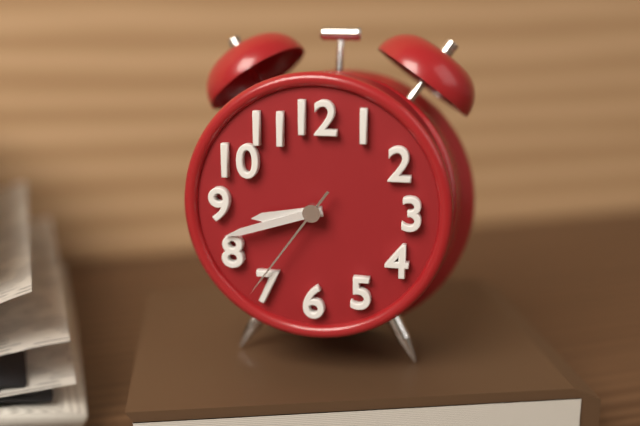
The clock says h=8 m=42 s=36
